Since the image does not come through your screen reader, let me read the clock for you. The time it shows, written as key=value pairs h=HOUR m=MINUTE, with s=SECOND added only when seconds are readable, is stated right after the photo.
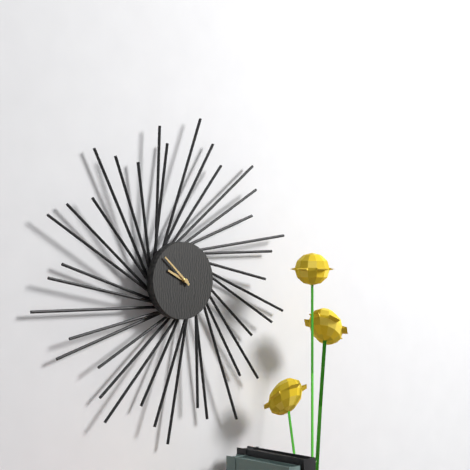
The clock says h=9 m=52
